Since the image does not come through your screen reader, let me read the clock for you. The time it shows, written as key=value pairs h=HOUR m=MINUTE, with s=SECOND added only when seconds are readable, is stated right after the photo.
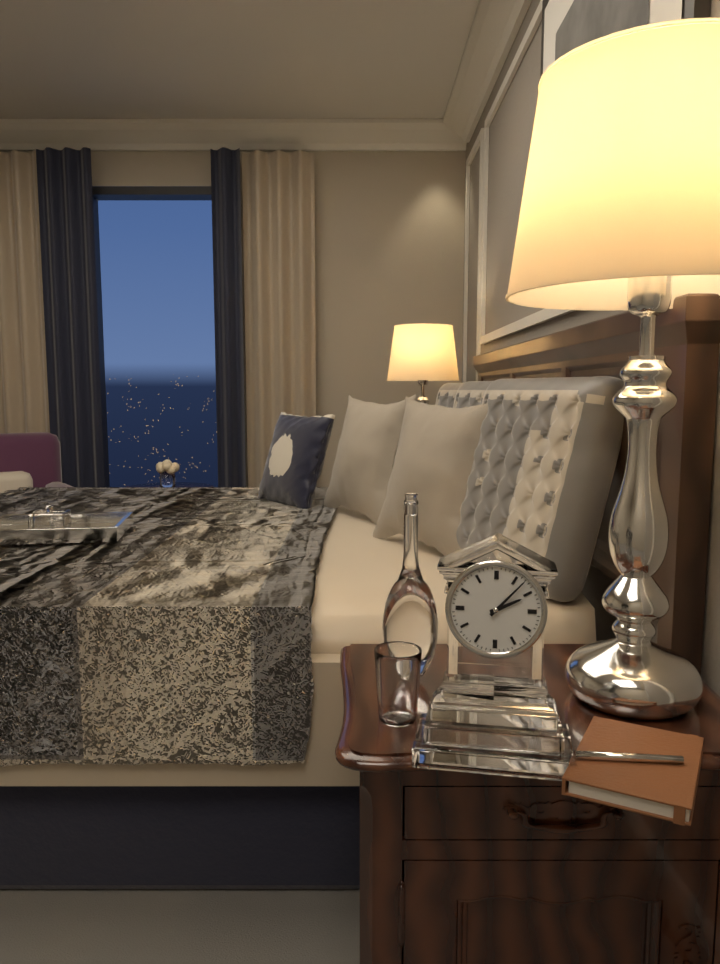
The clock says h=2 m=7
